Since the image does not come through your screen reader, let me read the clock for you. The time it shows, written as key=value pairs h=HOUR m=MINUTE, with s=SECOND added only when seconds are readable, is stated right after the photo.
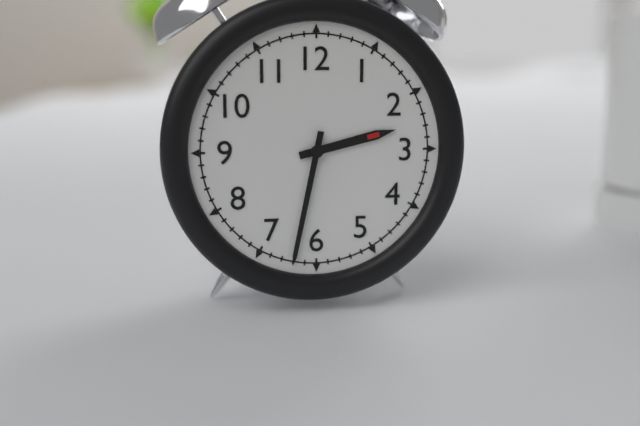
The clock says h=2 m=32
